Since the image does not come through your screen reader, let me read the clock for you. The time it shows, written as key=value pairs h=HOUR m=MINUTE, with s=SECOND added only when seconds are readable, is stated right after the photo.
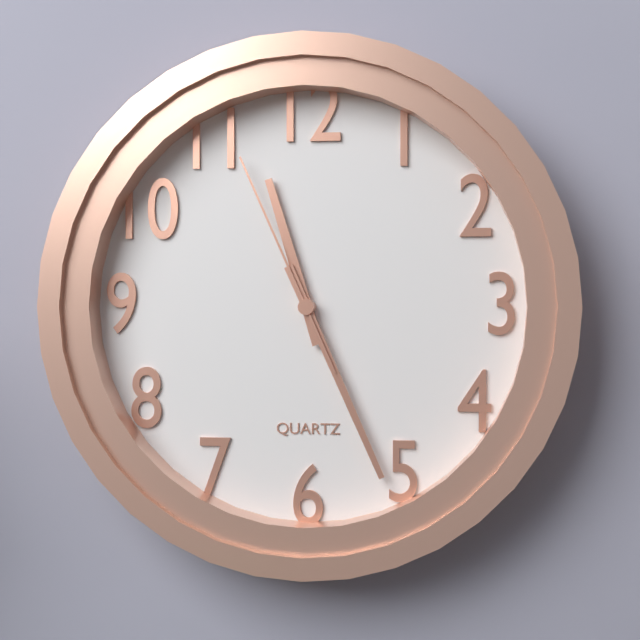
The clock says h=11 m=26 s=56
